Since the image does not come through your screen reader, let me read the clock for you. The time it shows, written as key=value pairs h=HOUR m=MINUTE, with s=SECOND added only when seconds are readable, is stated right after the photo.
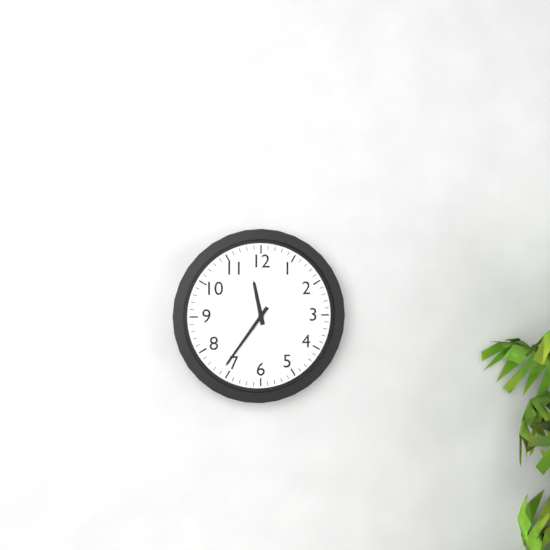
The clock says h=11 m=36
